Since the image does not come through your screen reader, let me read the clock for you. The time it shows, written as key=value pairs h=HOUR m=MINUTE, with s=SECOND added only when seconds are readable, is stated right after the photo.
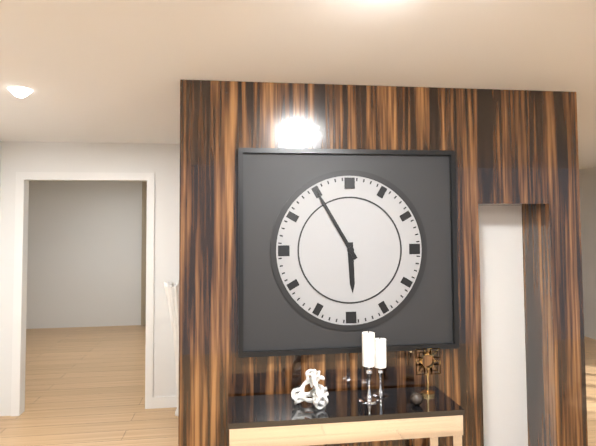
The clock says h=5 m=55
